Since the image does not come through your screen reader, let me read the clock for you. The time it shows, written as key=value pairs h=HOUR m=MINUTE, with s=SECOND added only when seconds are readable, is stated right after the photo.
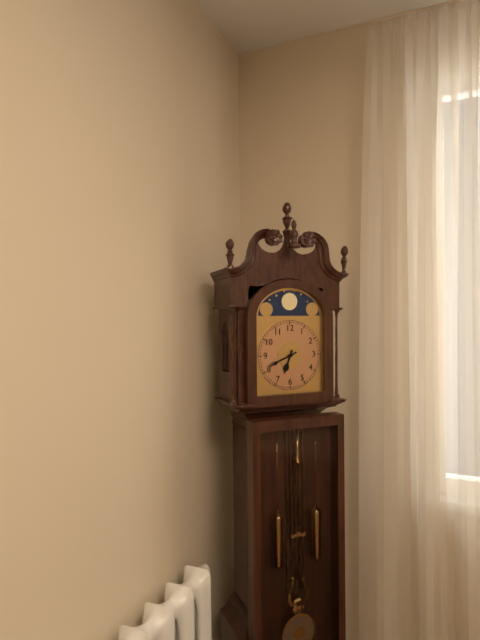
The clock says h=6 m=41
